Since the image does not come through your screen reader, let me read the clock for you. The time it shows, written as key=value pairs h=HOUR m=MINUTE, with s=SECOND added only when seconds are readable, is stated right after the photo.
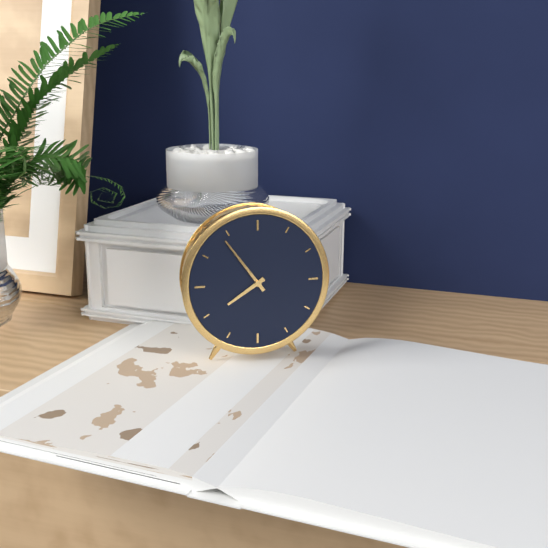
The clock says h=7 m=54
